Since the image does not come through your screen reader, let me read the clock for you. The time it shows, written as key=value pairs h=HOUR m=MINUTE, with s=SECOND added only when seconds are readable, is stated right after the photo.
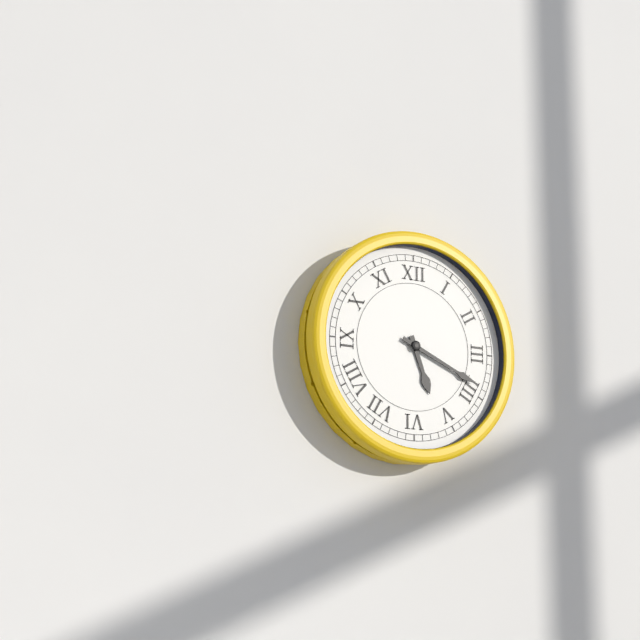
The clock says h=5 m=19
